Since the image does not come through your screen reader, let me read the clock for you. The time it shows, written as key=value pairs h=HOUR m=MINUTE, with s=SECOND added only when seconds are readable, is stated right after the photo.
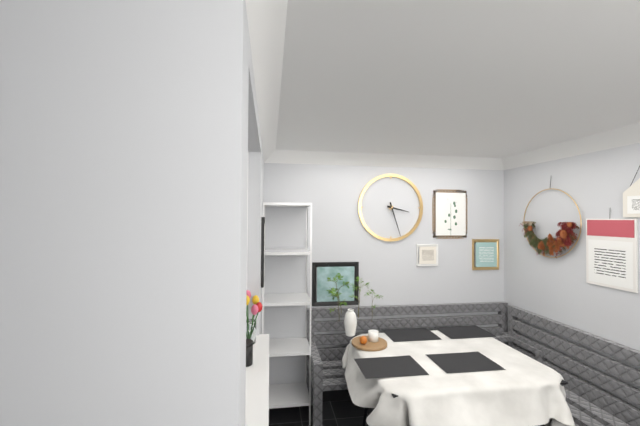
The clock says h=3 m=27
